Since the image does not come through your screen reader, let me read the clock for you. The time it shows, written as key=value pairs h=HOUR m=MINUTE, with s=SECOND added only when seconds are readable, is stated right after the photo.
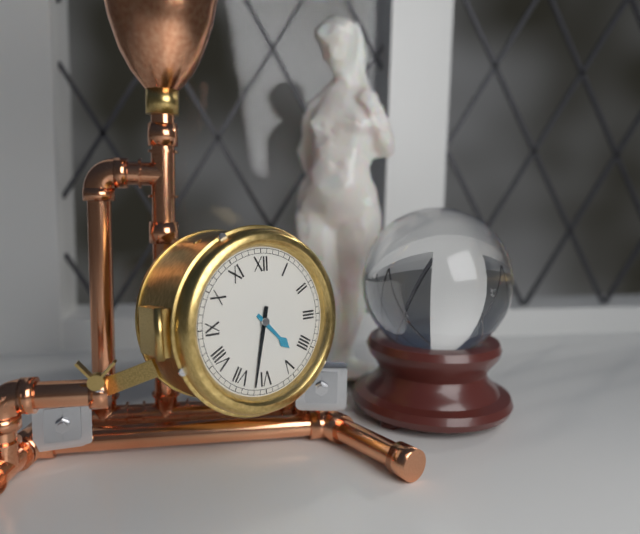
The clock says h=4 m=32
